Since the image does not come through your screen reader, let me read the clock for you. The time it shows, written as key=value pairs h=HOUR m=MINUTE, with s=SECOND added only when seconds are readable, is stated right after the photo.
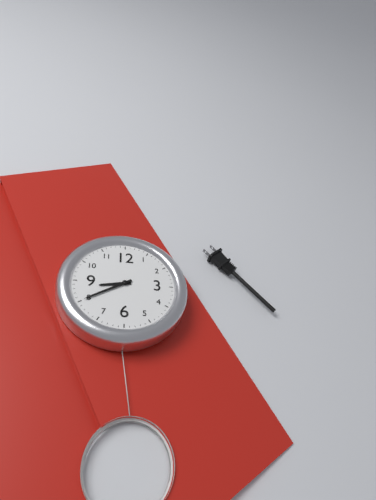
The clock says h=8 m=40
